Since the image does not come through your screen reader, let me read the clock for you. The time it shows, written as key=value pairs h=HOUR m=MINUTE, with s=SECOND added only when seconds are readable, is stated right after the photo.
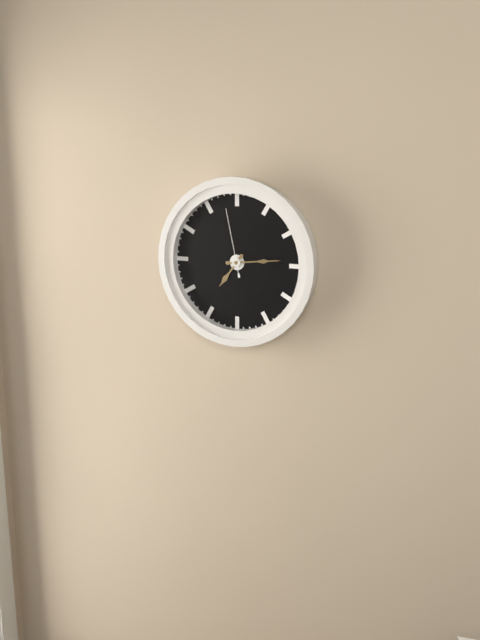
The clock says h=7 m=14 s=58
